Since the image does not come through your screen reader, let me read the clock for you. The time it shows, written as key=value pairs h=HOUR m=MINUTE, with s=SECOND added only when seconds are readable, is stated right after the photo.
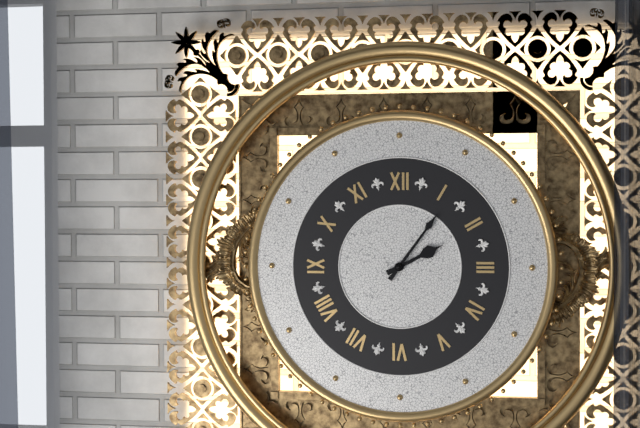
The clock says h=2 m=6
